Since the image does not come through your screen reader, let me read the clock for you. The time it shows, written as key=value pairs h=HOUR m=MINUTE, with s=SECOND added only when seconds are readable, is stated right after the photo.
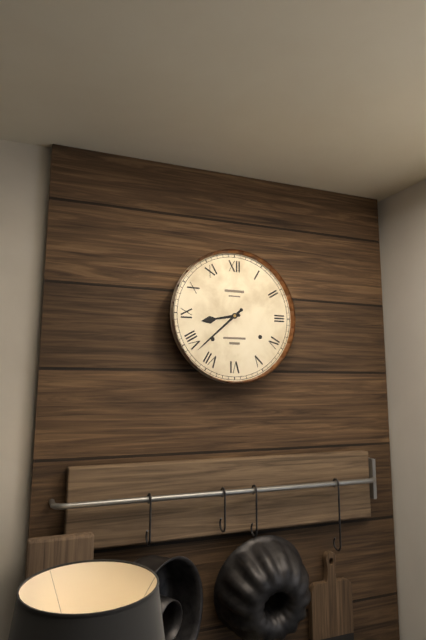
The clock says h=8 m=38
